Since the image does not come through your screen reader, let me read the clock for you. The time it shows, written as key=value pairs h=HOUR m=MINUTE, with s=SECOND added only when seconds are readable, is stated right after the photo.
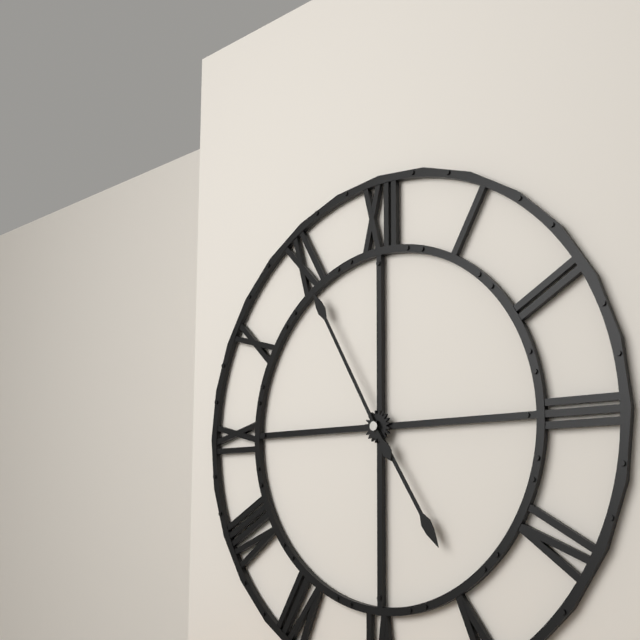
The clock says h=4 m=55
